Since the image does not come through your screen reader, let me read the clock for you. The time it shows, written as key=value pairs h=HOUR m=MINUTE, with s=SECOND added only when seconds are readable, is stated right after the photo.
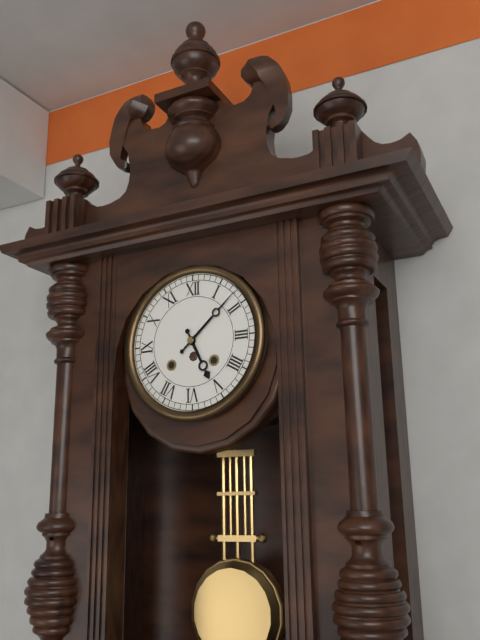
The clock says h=5 m=8
